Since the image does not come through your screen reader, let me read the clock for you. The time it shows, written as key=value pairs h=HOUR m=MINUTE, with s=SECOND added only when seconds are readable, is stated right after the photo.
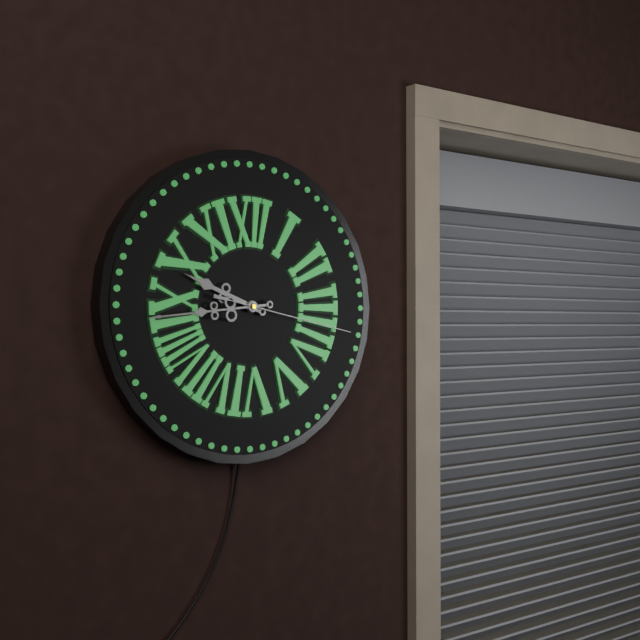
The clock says h=9 m=44 s=17
